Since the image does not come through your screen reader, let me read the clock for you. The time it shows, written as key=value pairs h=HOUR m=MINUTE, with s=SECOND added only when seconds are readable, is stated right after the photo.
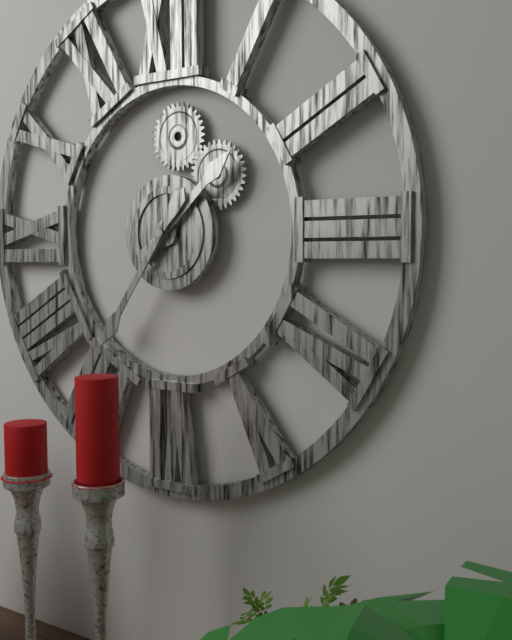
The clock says h=1 m=36
